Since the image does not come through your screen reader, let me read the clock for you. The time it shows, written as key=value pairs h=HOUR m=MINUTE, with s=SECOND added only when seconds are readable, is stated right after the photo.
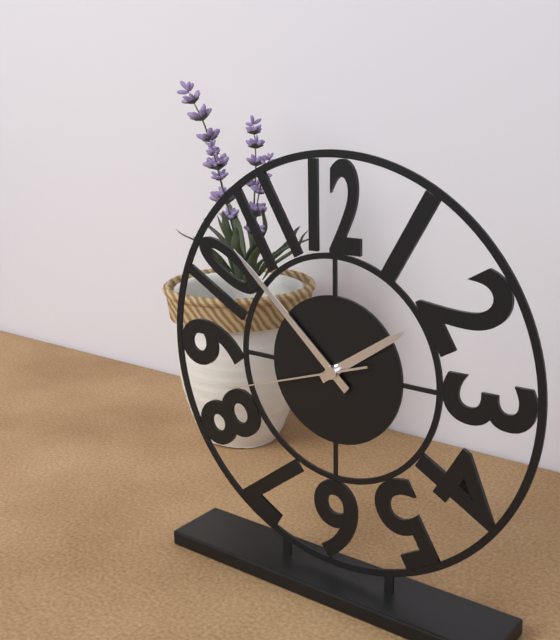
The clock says h=1 m=52 s=42
